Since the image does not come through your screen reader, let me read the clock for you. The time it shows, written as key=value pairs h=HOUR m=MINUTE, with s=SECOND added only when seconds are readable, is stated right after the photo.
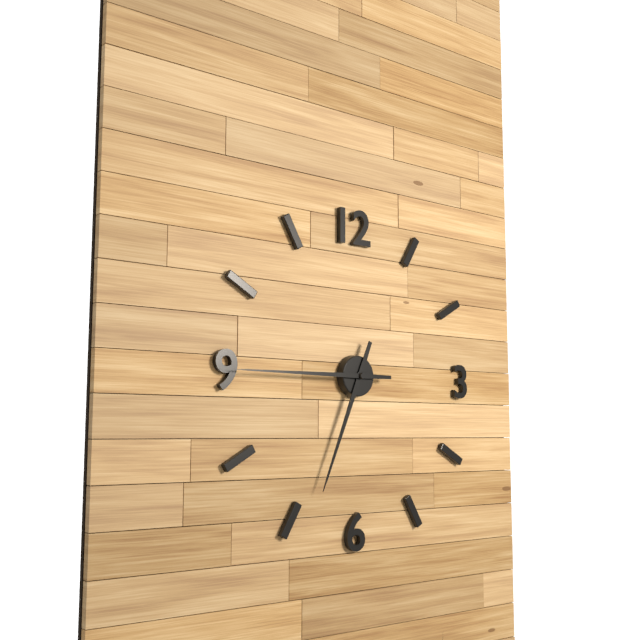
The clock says h=6 m=45
